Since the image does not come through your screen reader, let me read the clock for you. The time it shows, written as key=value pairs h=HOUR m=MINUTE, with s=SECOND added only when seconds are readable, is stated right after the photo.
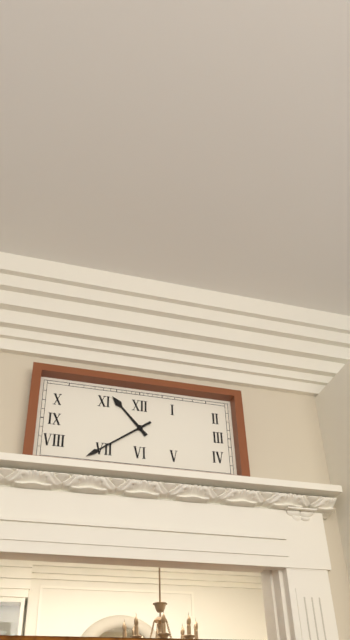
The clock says h=10 m=39
